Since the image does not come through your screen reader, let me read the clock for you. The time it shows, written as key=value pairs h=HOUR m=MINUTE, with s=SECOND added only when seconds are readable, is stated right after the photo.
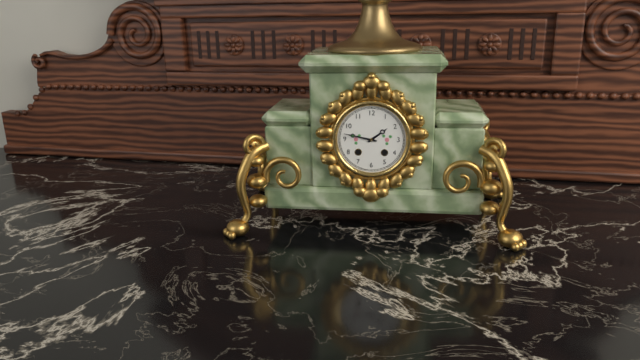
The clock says h=1 m=47
